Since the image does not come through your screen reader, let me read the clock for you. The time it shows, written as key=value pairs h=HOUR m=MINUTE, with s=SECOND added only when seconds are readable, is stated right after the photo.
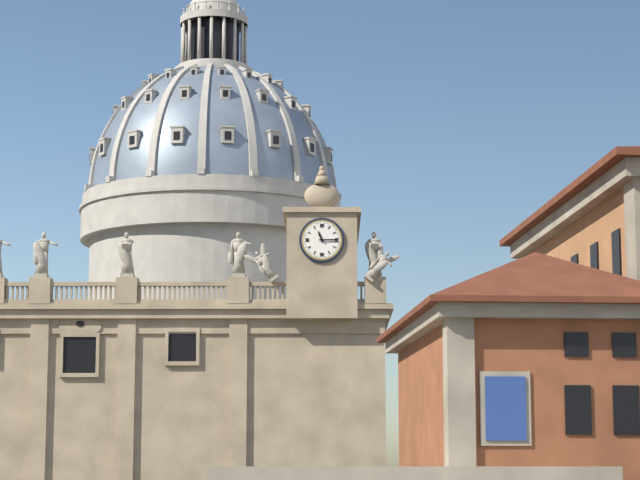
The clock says h=11 m=15
